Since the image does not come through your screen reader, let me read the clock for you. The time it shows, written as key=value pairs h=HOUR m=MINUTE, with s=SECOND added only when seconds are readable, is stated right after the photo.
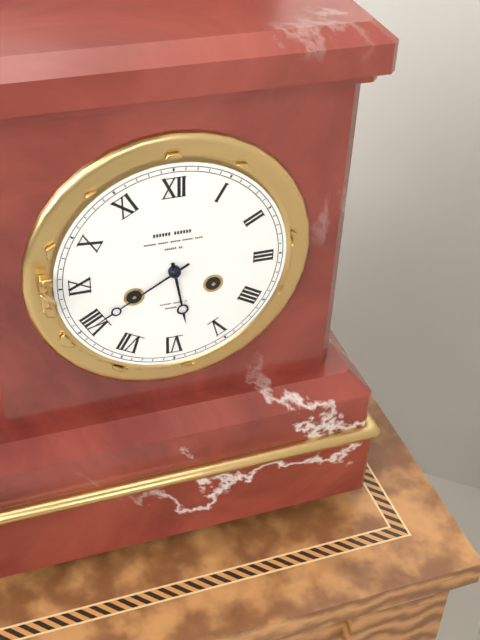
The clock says h=5 m=40
